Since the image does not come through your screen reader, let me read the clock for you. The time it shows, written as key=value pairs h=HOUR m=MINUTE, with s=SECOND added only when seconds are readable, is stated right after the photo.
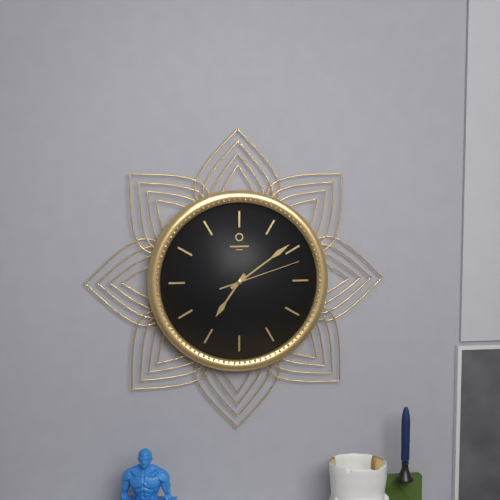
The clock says h=7 m=9 s=12
